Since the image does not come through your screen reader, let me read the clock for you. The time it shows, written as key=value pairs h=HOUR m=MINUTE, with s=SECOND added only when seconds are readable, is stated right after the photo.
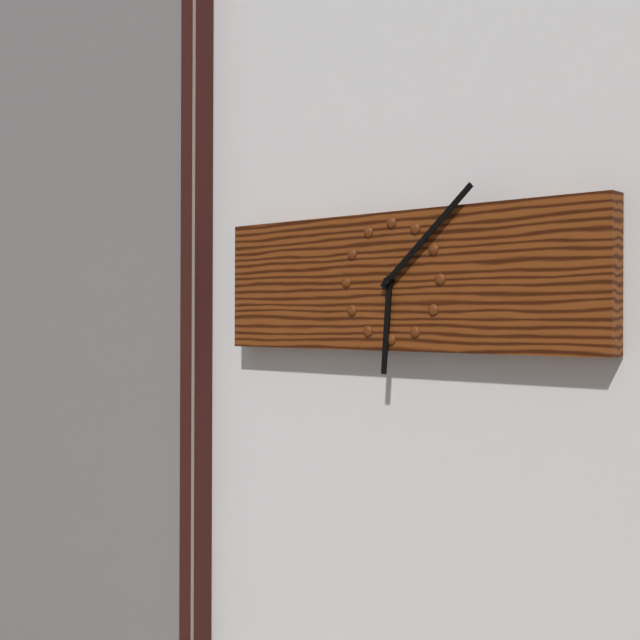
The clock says h=6 m=8
